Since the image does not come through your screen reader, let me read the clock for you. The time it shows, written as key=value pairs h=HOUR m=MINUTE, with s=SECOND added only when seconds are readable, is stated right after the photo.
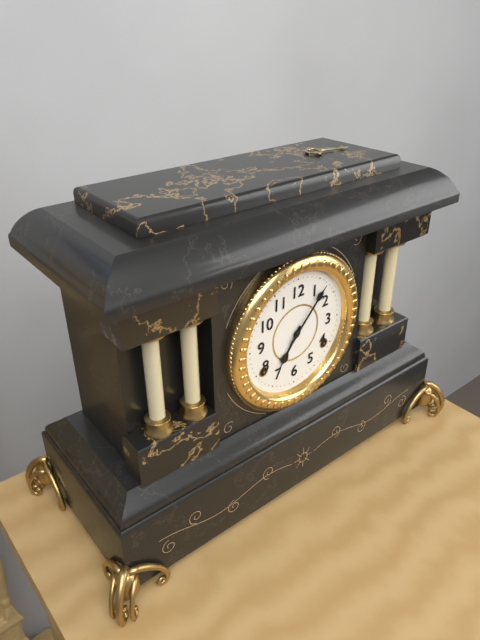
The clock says h=7 m=7
